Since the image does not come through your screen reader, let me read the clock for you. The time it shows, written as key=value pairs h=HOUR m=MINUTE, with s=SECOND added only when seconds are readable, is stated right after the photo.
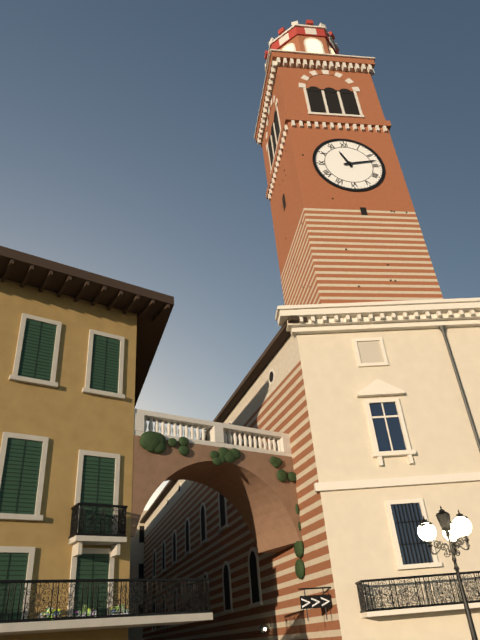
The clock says h=11 m=13
